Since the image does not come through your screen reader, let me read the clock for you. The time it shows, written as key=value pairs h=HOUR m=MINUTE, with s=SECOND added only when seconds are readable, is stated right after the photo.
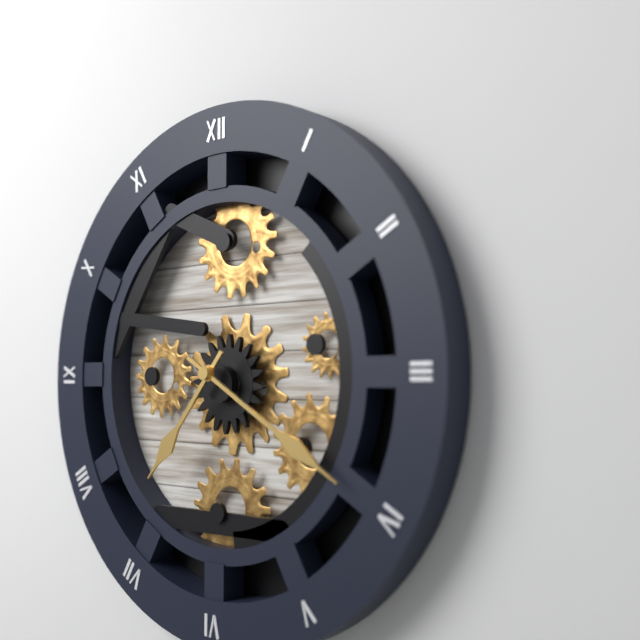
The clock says h=7 m=20
